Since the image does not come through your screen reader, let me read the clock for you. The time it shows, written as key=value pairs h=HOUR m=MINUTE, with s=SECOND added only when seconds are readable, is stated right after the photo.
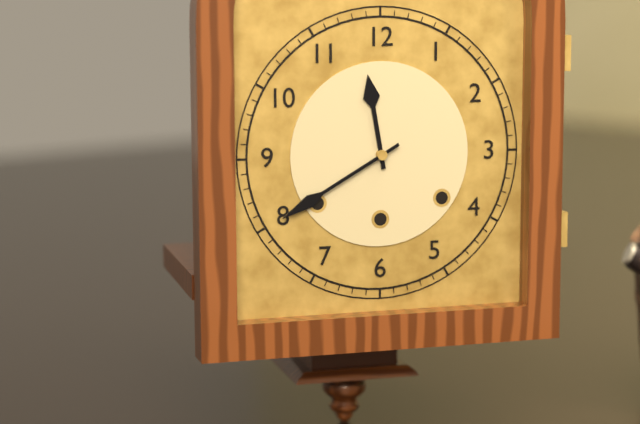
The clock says h=11 m=40
